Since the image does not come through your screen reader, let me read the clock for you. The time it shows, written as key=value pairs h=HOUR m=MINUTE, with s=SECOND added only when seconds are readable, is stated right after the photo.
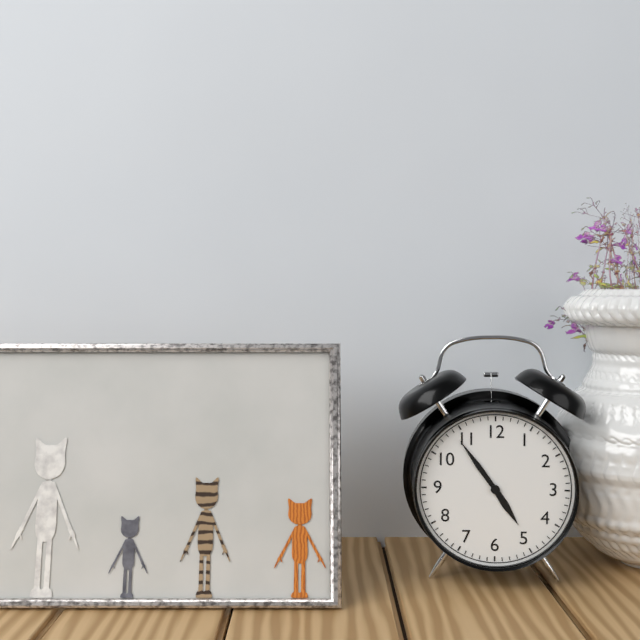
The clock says h=4 m=54
